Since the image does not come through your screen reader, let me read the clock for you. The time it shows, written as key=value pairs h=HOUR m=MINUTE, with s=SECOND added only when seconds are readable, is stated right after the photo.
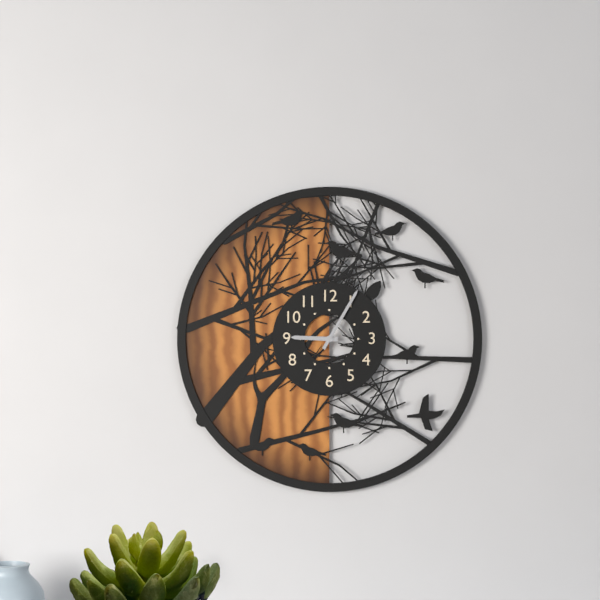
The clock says h=9 m=5
